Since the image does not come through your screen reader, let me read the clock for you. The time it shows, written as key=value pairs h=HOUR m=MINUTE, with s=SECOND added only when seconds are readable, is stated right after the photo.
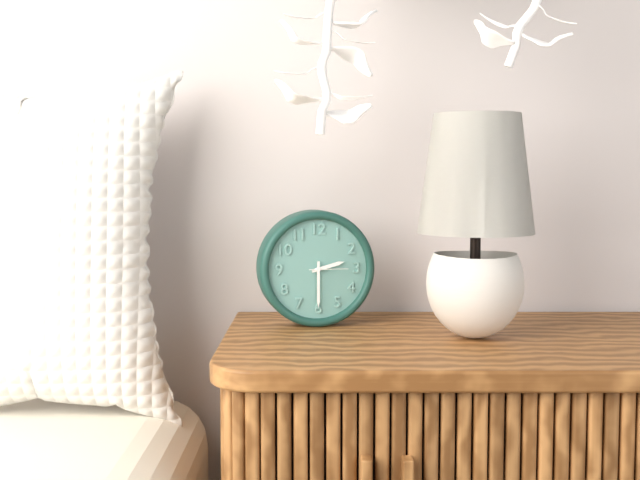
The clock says h=2 m=30
